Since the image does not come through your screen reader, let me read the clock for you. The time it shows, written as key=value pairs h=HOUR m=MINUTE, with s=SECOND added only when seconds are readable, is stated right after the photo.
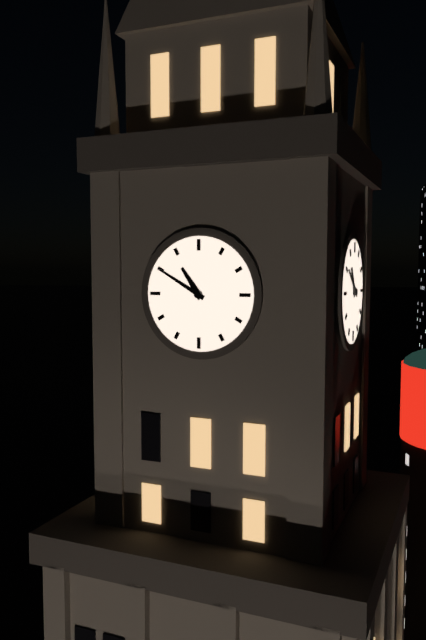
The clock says h=10 m=50
